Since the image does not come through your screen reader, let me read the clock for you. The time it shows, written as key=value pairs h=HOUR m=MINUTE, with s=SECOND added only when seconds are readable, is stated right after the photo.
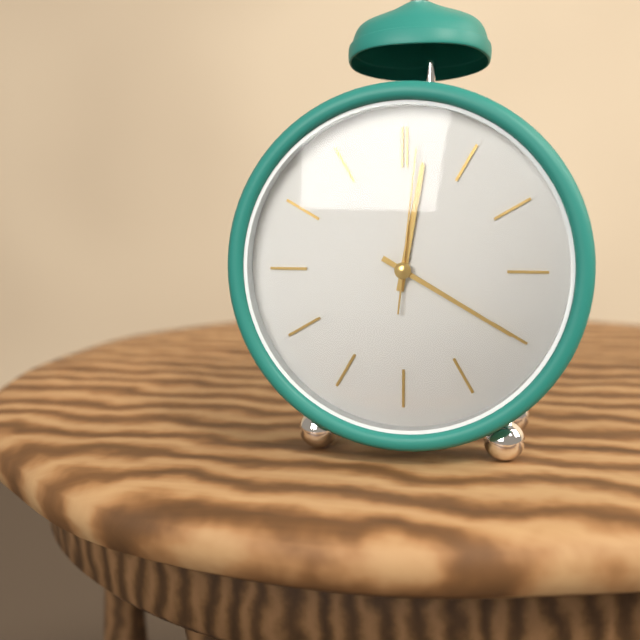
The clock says h=12 m=20 s=1
